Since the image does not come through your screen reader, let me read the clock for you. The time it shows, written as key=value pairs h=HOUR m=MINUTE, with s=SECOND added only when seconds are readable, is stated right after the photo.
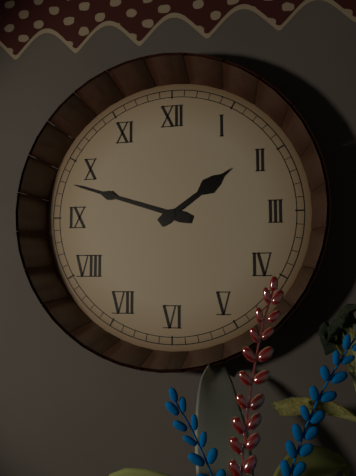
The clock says h=1 m=48
